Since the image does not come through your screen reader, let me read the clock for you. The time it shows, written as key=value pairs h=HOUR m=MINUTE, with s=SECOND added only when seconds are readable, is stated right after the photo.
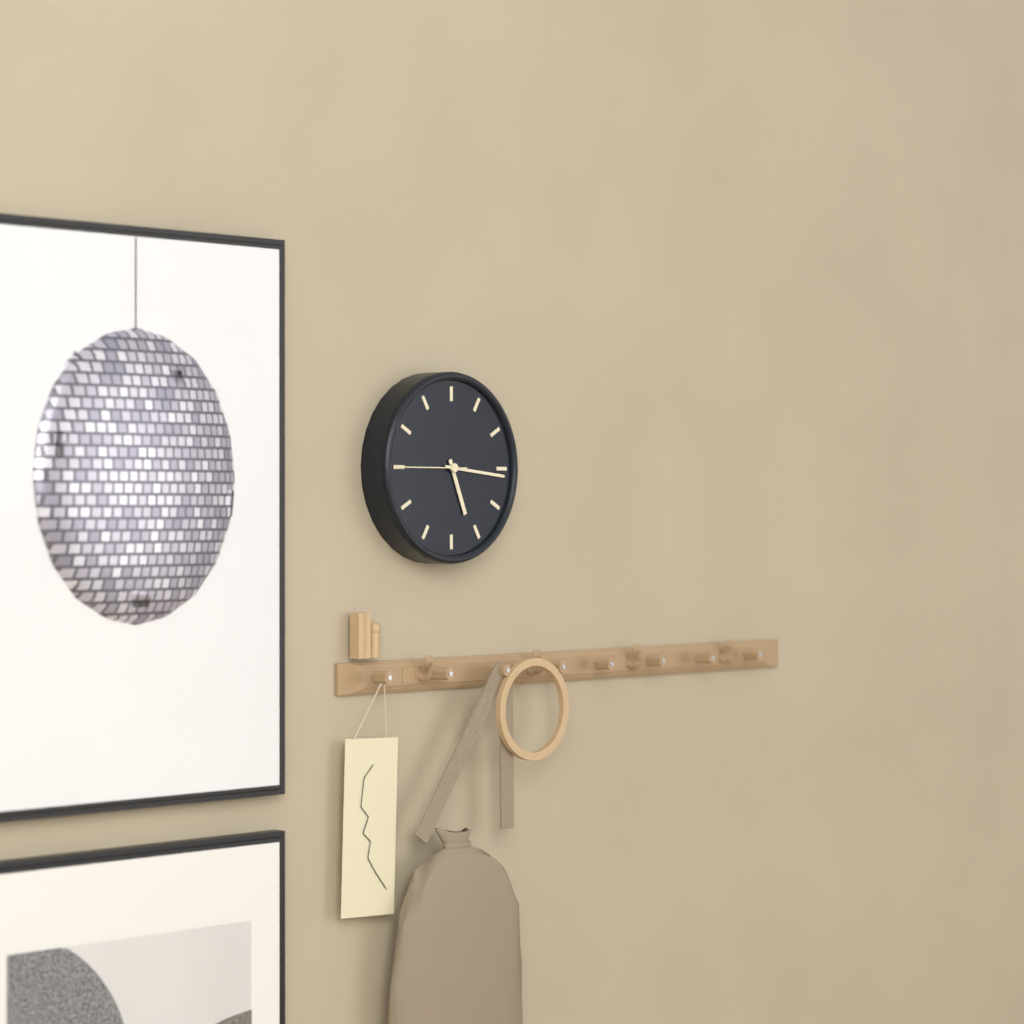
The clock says h=5 m=16 s=45
